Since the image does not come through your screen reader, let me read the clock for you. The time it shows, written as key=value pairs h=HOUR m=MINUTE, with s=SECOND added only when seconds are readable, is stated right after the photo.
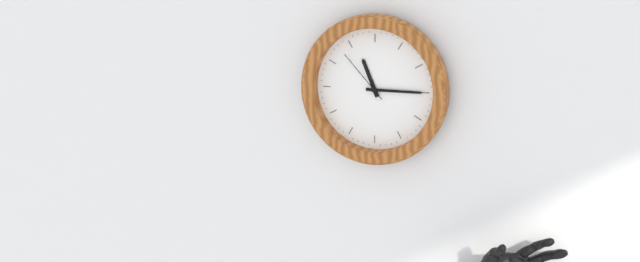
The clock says h=11 m=15 s=53
